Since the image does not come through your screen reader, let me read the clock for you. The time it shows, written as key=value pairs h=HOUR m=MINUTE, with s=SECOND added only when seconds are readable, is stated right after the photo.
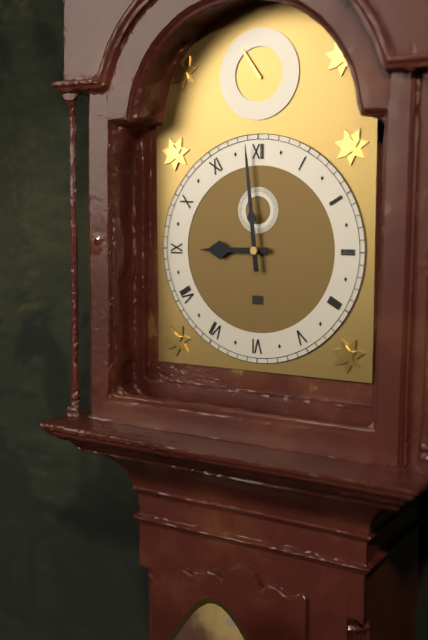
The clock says h=8 m=59
